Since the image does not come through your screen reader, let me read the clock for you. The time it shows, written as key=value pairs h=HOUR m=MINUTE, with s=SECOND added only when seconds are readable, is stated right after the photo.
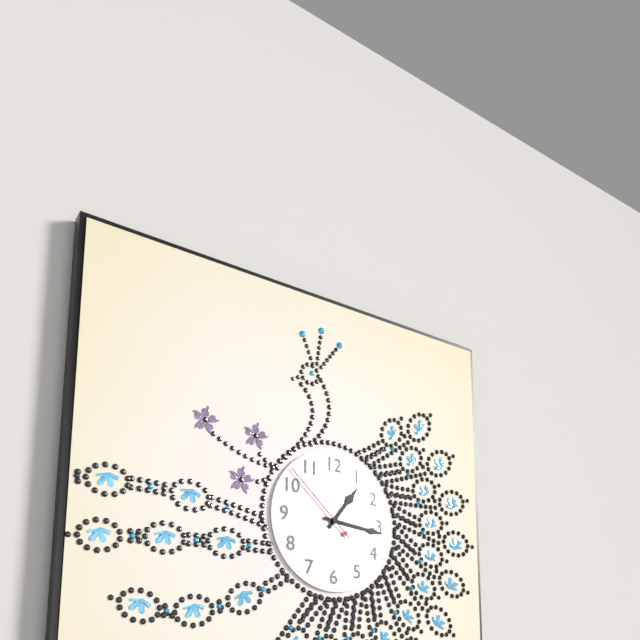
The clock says h=1 m=16 s=52
